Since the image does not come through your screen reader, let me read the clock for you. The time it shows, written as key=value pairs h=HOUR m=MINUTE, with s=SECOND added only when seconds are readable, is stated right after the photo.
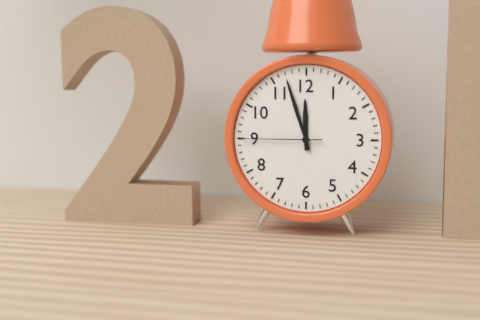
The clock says h=11 m=57 s=45
